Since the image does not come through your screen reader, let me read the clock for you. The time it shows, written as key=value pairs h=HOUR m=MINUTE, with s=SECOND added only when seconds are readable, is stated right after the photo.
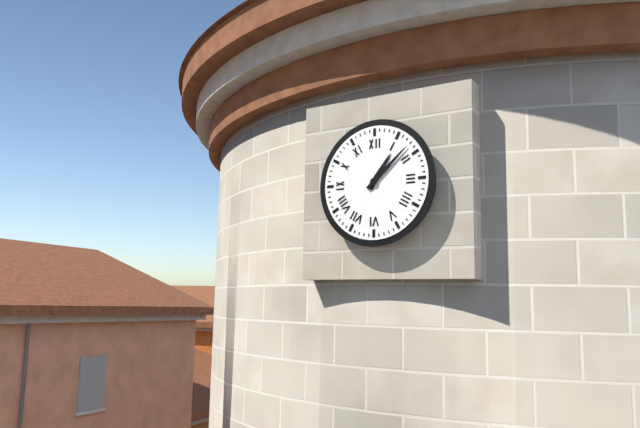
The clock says h=1 m=8
